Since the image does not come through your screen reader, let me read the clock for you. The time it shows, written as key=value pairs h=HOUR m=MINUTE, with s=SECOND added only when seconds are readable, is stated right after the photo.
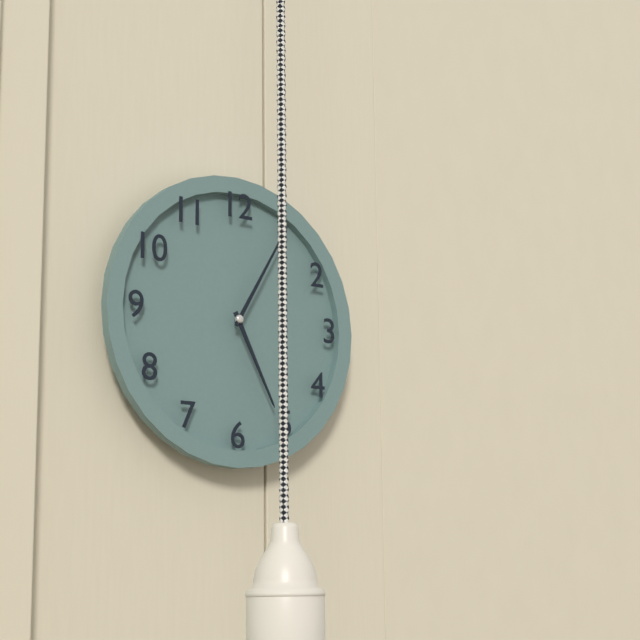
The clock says h=5 m=5
